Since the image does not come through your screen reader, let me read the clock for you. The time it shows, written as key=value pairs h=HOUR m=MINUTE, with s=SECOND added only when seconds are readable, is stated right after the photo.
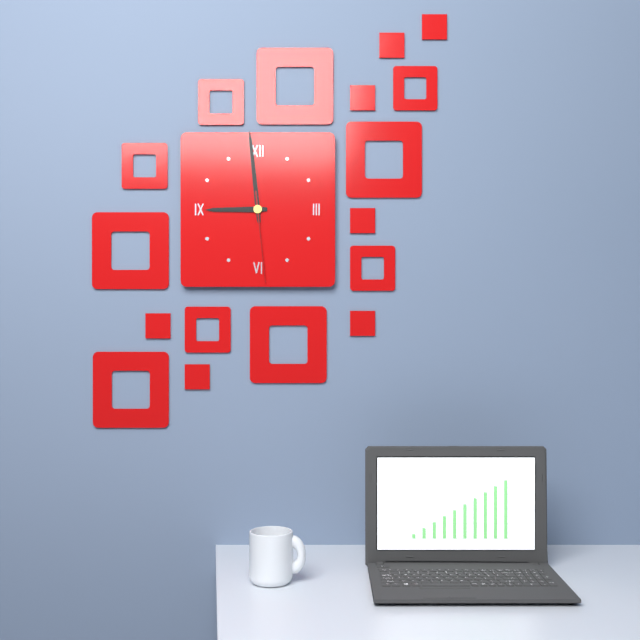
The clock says h=8 m=59 s=29
